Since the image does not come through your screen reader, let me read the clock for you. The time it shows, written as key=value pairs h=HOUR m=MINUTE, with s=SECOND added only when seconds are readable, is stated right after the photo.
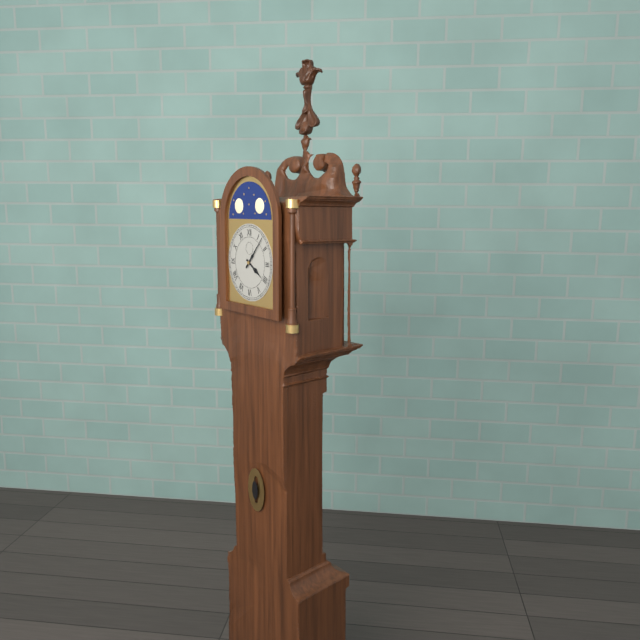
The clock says h=4 m=7
